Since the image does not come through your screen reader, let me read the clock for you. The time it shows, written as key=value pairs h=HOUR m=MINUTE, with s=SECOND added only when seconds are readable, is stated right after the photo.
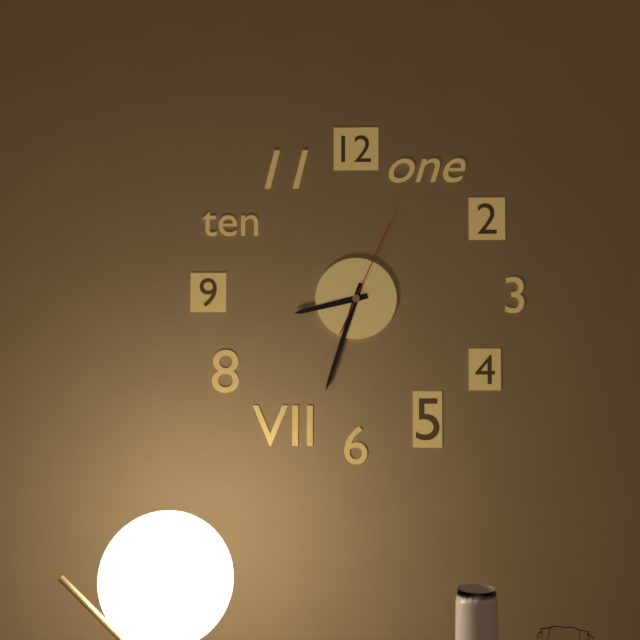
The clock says h=8 m=33 s=4
